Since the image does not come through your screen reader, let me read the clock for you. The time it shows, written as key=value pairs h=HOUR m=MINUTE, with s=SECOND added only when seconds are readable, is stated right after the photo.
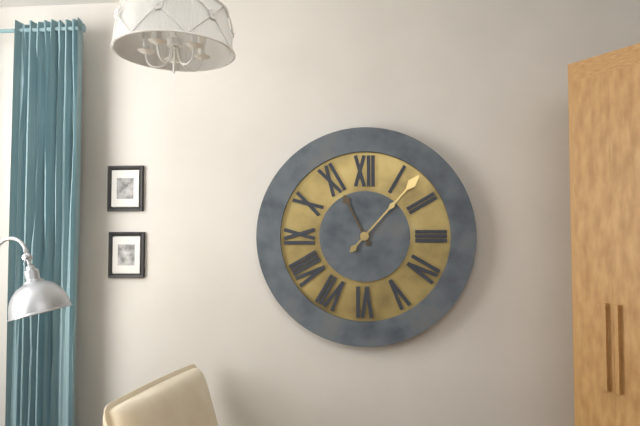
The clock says h=11 m=7
